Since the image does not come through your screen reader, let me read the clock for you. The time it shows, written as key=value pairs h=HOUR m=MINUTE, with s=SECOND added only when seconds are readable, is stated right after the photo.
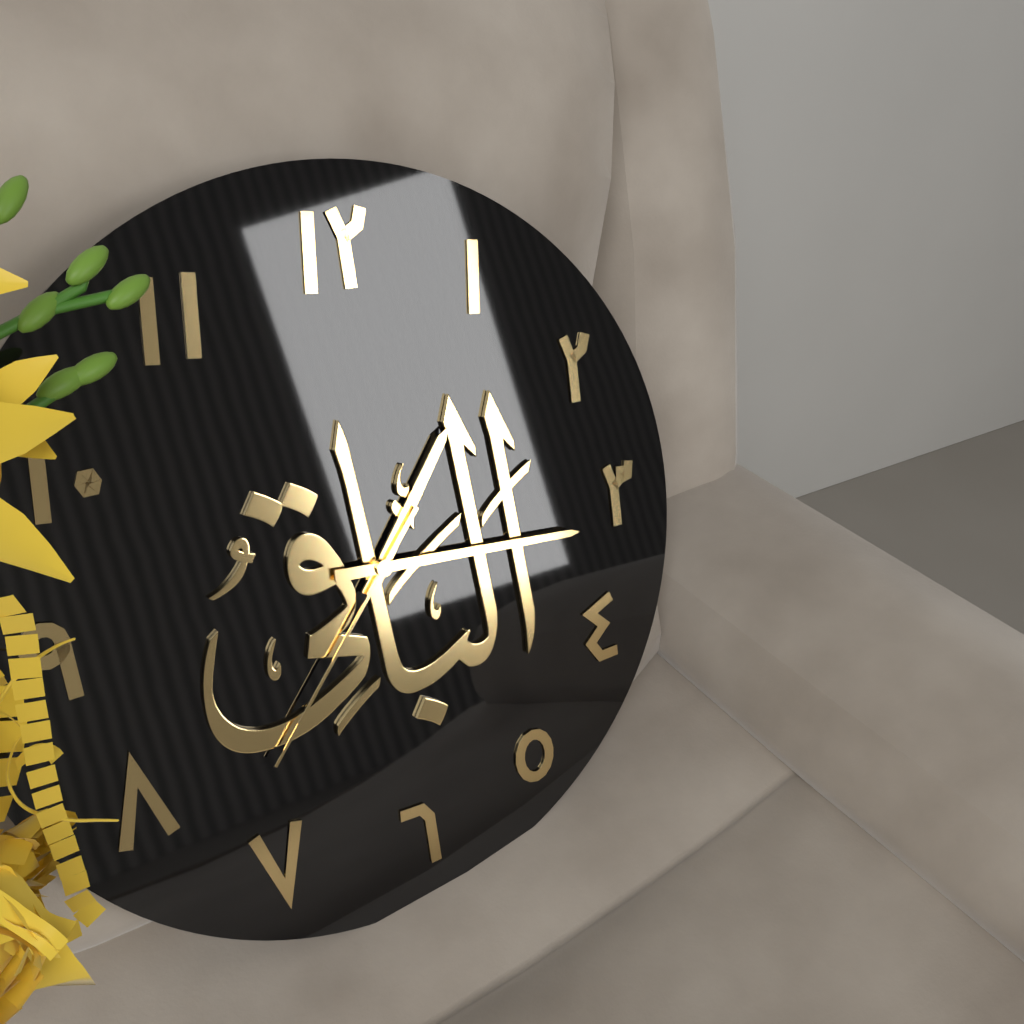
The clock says h=1 m=16 s=37
